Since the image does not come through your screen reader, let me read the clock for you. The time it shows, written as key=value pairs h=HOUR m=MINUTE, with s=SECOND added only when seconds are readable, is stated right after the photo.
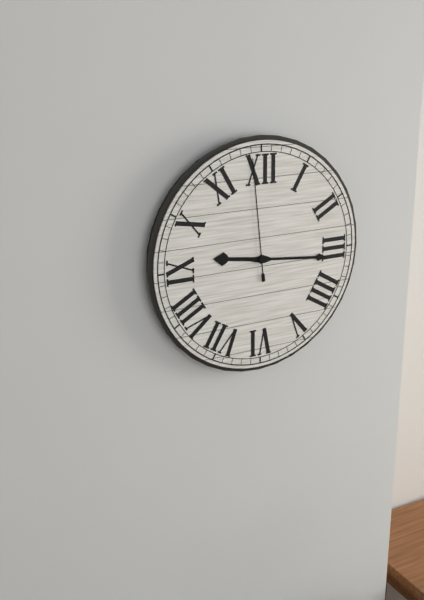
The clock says h=9 m=16 s=59
